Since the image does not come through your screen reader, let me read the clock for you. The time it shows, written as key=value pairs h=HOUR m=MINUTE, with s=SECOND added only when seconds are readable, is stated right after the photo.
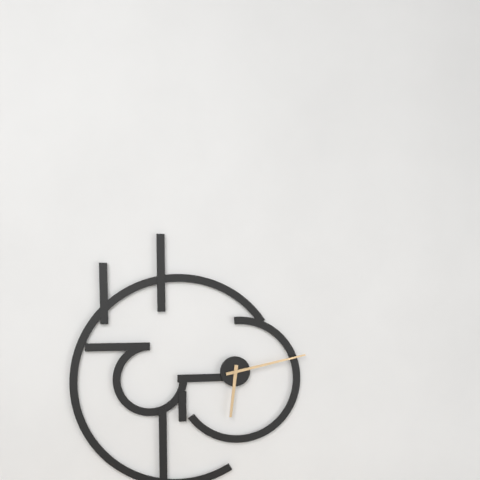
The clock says h=6 m=13
